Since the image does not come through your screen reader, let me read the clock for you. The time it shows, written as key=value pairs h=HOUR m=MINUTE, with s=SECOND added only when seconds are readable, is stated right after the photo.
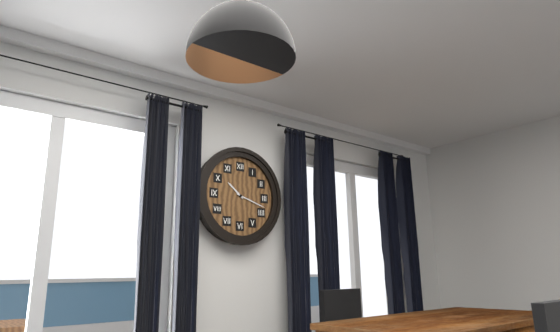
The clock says h=10 m=18
